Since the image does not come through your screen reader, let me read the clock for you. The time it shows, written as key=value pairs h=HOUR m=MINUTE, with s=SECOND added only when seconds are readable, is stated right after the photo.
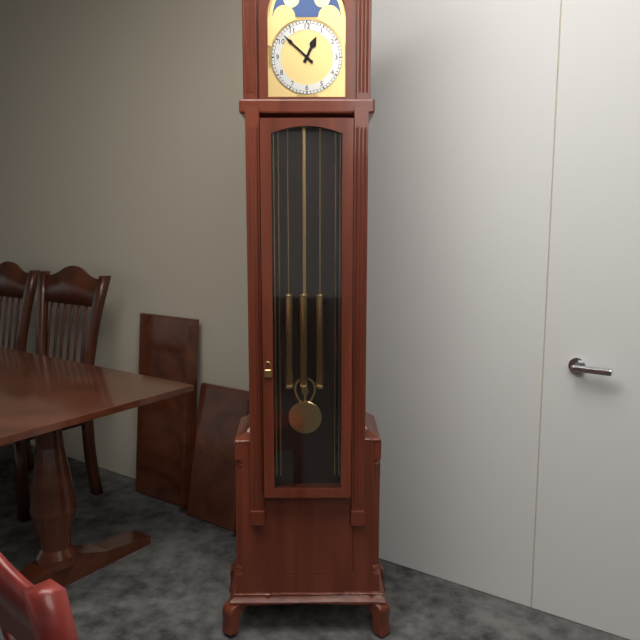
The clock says h=12 m=52
